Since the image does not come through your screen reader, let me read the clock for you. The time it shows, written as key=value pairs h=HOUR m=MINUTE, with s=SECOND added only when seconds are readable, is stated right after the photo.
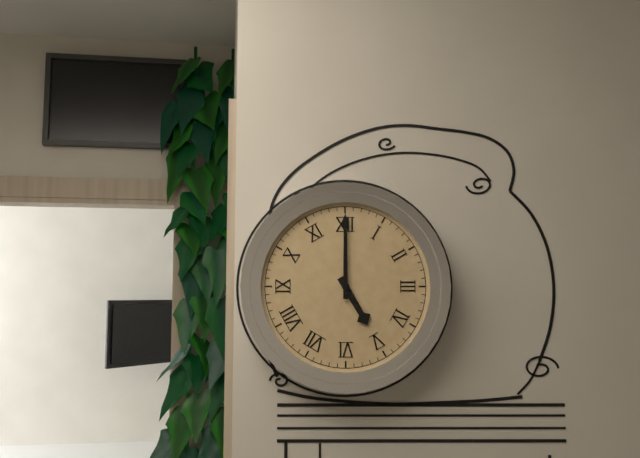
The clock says h=5 m=0
